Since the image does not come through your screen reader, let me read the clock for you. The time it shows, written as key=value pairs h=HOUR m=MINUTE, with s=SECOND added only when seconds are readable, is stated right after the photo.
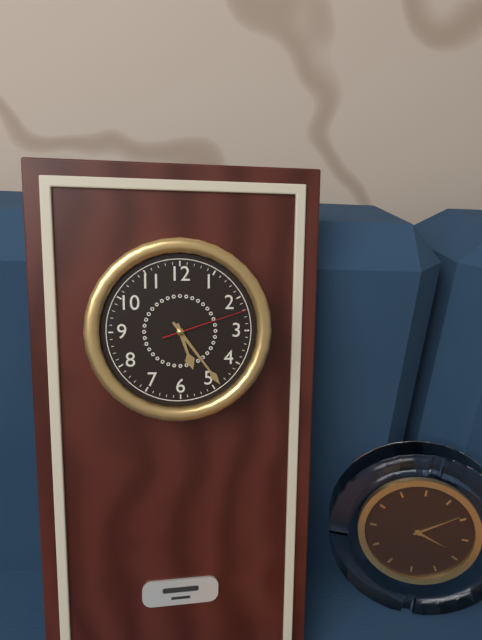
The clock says h=5 m=24 s=12
